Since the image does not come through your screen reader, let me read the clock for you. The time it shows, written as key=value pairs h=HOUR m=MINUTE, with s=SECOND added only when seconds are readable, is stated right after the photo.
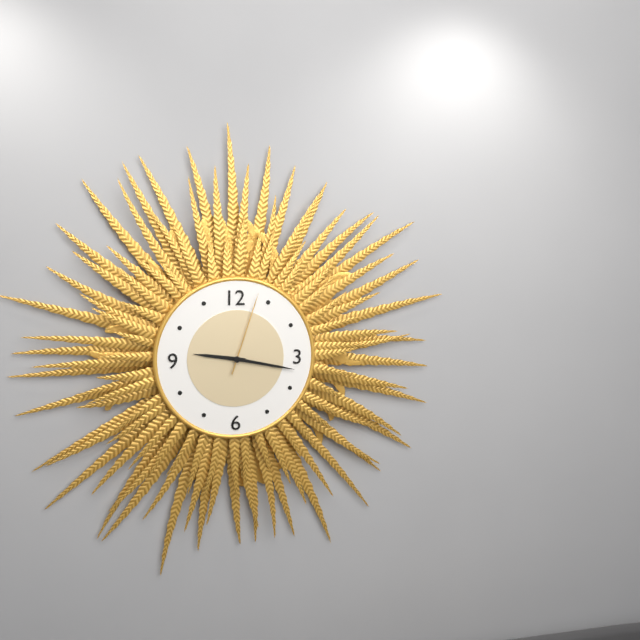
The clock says h=9 m=17 s=3
